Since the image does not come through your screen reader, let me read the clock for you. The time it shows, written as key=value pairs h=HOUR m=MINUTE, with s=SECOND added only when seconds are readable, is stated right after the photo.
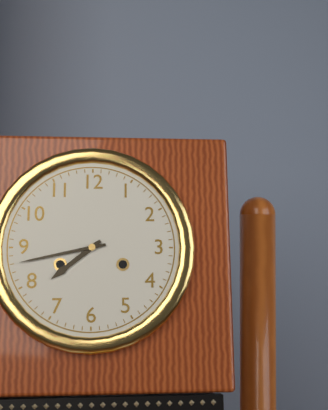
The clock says h=7 m=43
